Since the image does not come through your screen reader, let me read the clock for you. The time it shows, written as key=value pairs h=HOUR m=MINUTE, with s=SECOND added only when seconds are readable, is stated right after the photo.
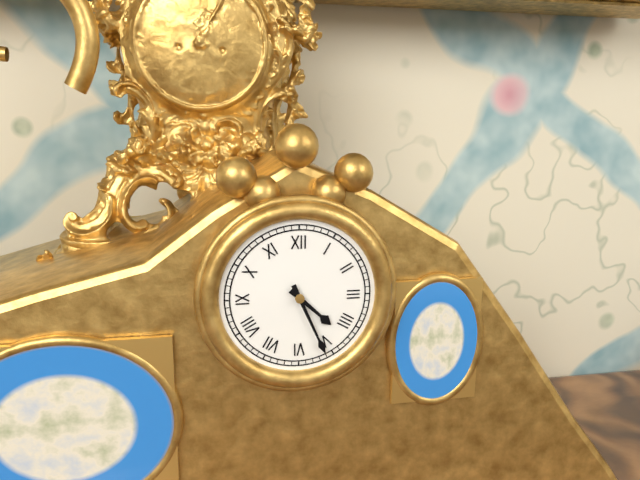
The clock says h=4 m=26
